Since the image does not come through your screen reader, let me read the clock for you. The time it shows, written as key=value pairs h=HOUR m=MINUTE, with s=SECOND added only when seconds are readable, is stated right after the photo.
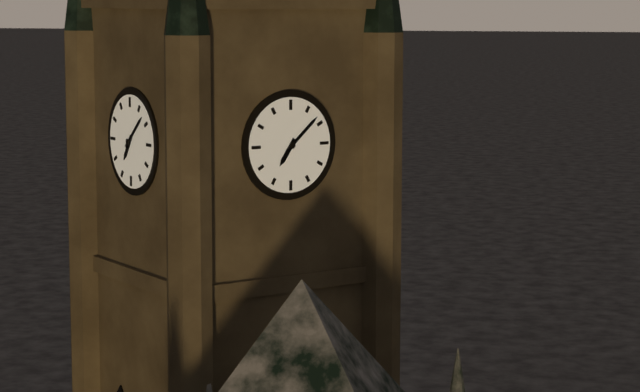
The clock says h=7 m=8
